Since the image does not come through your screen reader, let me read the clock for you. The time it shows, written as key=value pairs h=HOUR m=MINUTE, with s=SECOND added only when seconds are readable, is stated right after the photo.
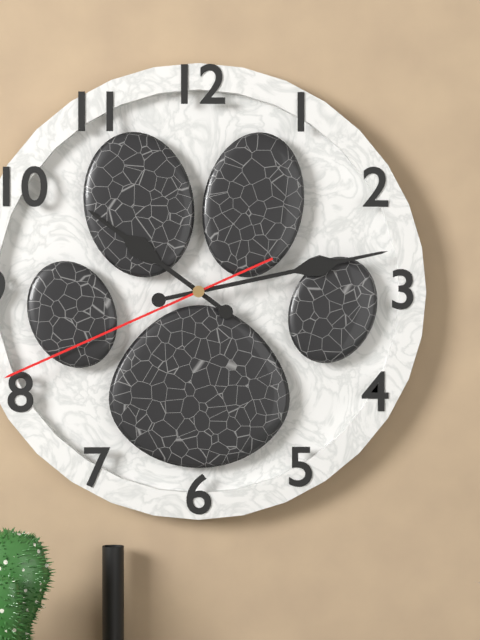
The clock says h=10 m=13 s=41
